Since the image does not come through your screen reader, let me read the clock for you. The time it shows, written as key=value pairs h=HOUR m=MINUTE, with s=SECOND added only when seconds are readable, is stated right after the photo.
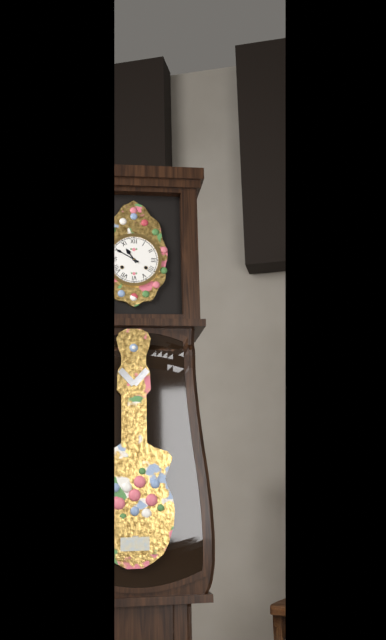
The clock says h=10 m=50
